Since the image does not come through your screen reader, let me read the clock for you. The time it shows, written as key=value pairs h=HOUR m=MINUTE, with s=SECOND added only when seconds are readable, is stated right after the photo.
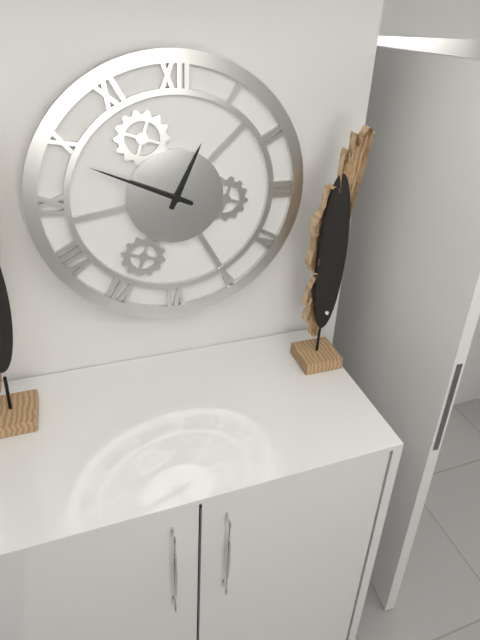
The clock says h=12 m=49
